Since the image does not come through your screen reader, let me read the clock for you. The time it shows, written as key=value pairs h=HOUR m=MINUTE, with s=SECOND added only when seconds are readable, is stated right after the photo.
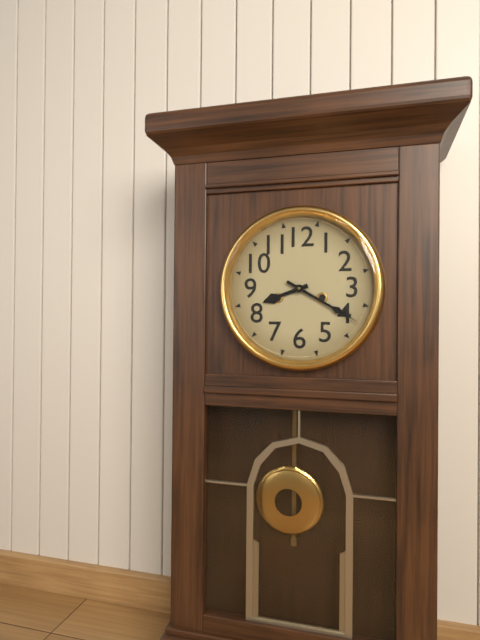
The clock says h=8 m=20
